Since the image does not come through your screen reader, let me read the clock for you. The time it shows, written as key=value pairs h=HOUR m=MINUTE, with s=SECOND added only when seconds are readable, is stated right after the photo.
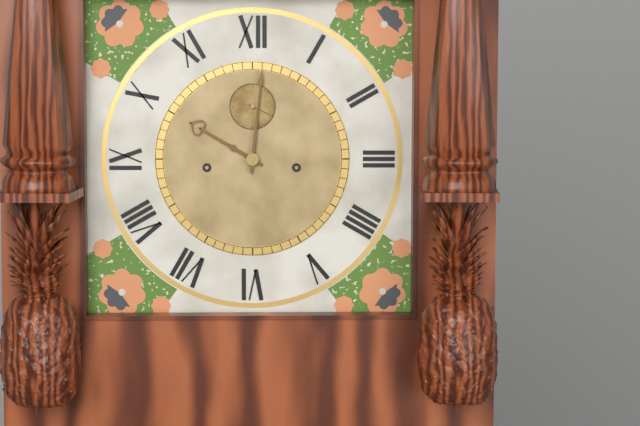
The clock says h=10 m=1
